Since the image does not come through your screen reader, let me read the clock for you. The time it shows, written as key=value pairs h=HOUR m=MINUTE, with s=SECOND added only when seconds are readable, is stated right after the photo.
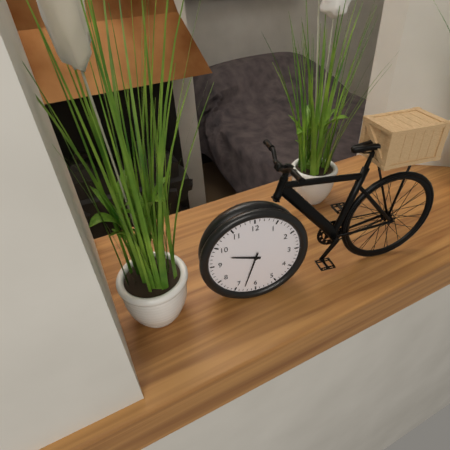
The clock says h=9 m=33
